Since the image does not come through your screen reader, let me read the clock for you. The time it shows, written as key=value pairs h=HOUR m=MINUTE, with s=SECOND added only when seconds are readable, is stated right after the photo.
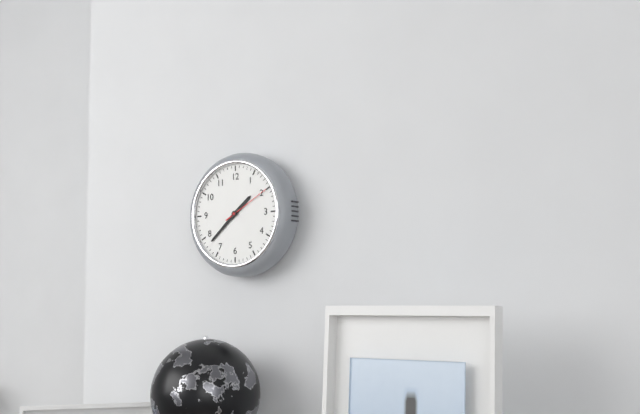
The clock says h=1 m=38
